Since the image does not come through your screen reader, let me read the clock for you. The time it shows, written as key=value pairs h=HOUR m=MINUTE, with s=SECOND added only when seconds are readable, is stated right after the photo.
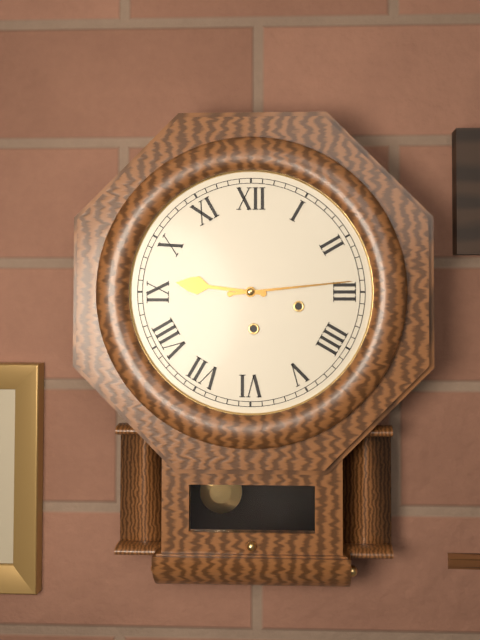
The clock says h=9 m=14
